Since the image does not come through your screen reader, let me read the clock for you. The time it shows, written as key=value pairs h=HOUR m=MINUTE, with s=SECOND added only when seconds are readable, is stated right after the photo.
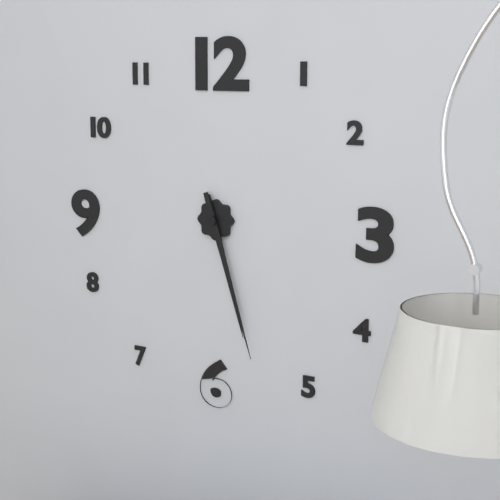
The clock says h=5 m=27
